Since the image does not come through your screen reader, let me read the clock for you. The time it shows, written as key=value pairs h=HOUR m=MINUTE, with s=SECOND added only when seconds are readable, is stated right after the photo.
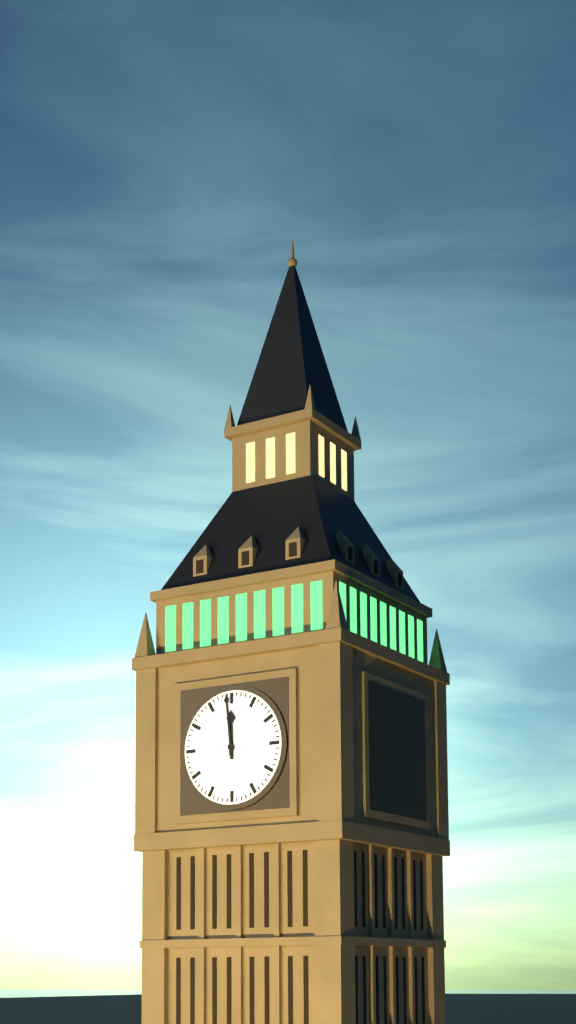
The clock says h=11 m=59
